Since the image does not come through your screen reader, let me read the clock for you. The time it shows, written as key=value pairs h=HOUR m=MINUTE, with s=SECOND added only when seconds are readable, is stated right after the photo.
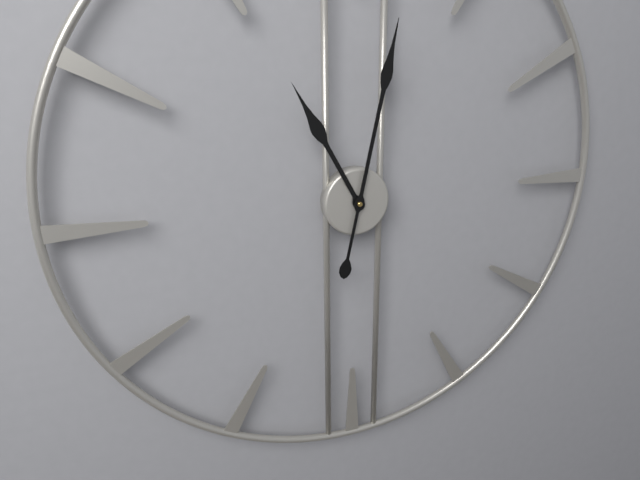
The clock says h=11 m=2
